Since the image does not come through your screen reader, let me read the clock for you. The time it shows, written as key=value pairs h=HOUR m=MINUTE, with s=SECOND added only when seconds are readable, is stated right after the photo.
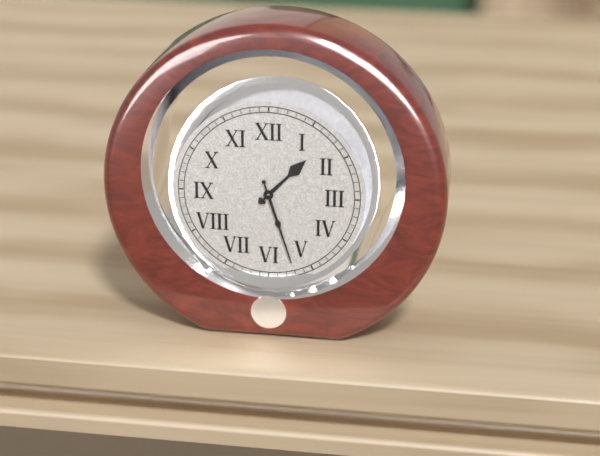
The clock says h=1 m=27
